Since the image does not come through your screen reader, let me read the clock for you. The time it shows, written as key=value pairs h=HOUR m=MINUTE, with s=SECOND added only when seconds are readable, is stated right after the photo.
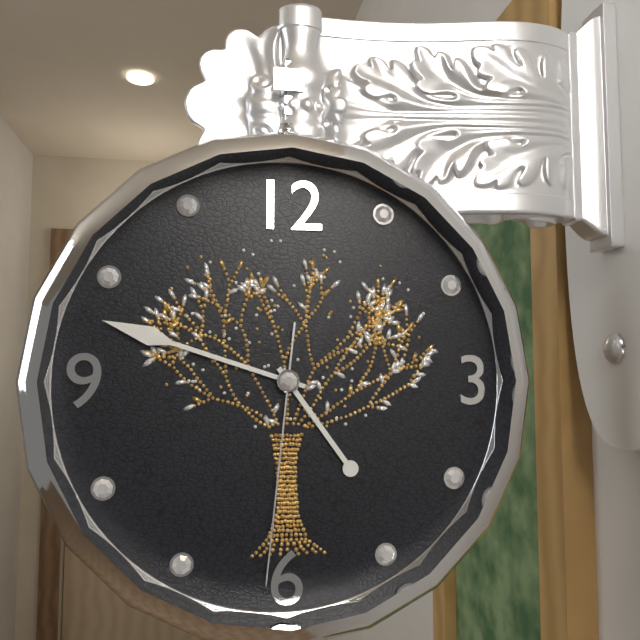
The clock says h=4 m=48 s=31
